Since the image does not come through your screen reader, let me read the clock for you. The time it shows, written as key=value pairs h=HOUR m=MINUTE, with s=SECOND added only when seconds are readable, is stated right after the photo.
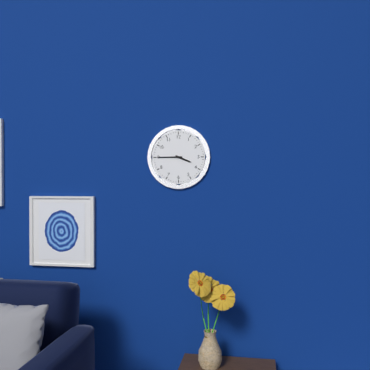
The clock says h=3 m=45
